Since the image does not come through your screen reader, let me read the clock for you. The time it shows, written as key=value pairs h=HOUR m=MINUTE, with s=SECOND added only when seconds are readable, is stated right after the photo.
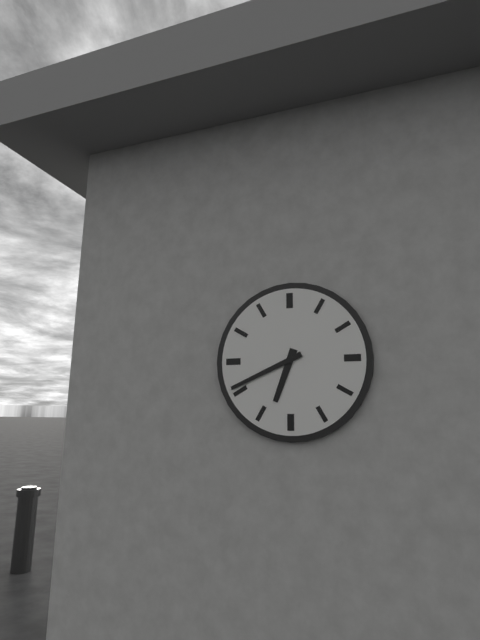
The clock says h=6 m=41
